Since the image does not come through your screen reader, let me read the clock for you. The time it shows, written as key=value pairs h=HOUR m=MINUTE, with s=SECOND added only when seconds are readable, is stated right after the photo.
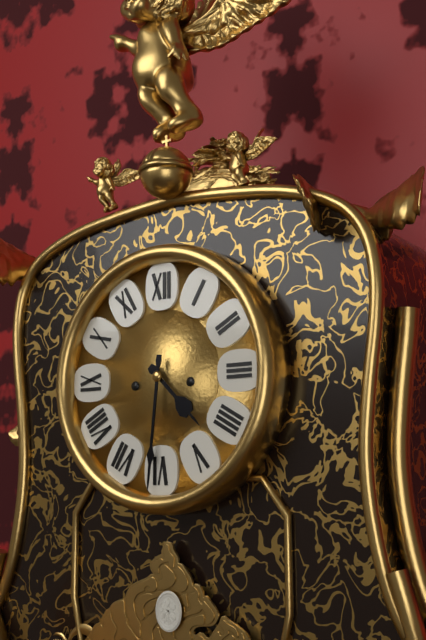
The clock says h=4 m=31
